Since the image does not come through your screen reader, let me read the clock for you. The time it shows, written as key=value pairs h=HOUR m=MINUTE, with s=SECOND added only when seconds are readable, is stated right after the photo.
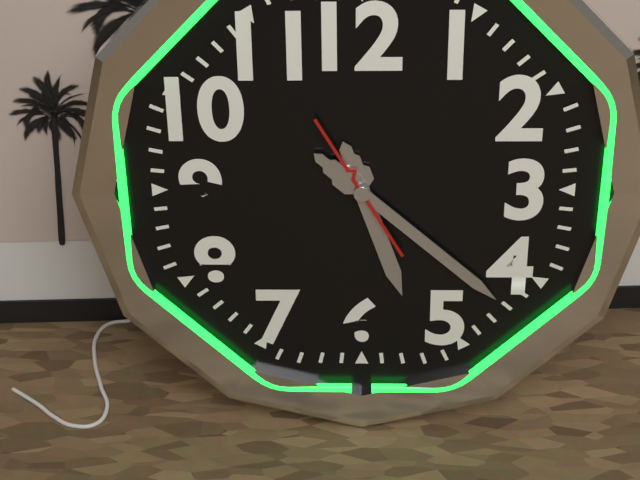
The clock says h=5 m=22 s=55
